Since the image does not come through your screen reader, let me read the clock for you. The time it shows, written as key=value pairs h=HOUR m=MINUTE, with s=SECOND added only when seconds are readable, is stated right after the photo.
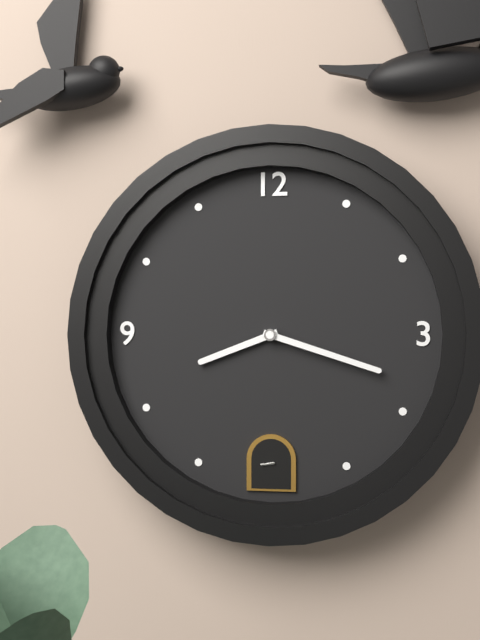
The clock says h=8 m=18
